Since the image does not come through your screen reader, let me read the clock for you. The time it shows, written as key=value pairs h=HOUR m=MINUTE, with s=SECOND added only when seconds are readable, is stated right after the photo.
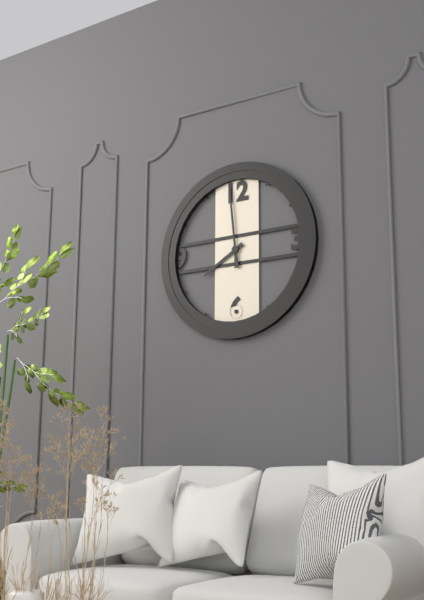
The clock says h=7 m=59
